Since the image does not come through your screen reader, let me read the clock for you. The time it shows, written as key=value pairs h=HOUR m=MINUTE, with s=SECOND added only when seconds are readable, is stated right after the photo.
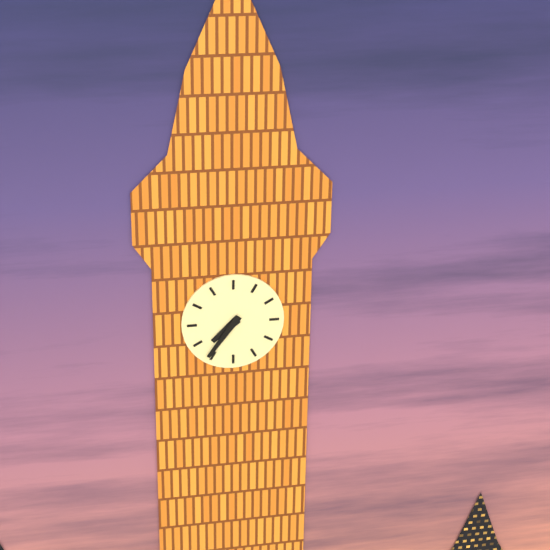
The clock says h=7 m=36
